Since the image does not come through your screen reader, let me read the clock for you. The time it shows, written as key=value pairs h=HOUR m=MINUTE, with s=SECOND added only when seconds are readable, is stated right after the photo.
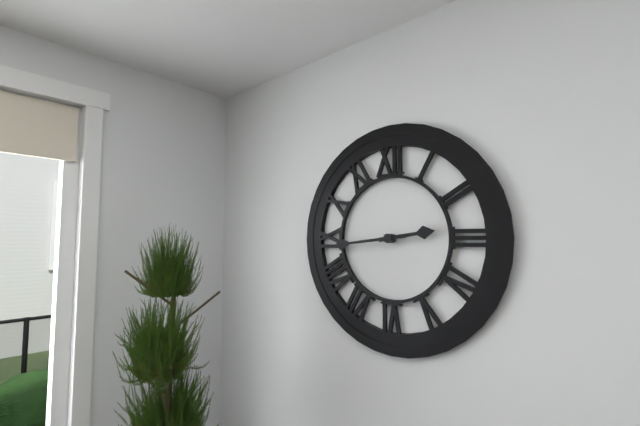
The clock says h=2 m=44
